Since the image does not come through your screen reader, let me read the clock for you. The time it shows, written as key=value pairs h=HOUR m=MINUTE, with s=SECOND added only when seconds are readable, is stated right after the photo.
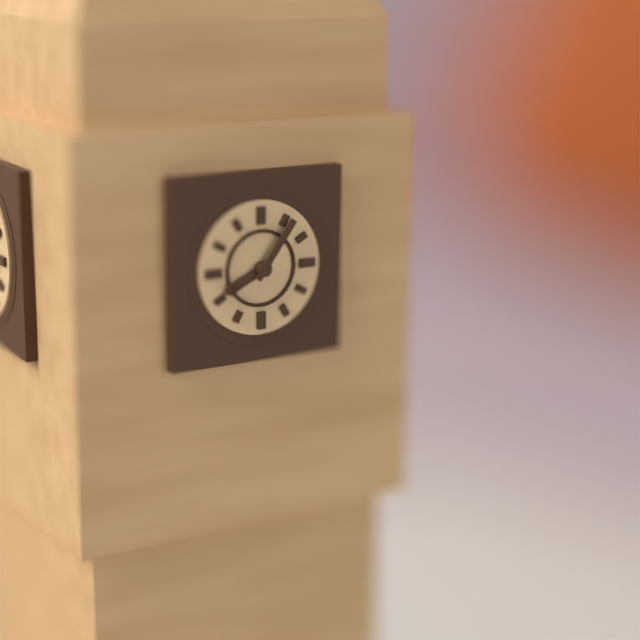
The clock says h=8 m=6
